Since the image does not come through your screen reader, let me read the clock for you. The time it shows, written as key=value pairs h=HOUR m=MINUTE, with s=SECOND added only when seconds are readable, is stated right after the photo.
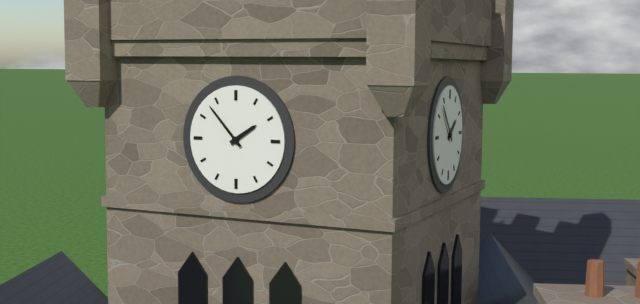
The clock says h=1 m=53
